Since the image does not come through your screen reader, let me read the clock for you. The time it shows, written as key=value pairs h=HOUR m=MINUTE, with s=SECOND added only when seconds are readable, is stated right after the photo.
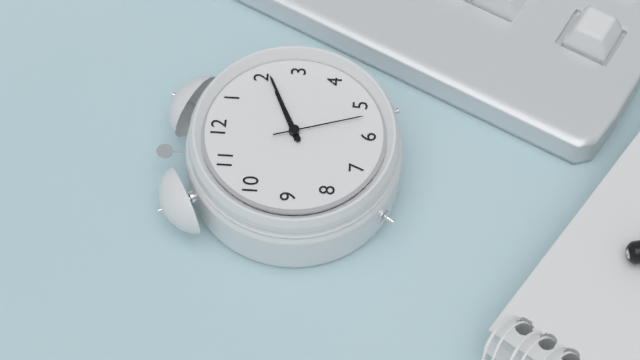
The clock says h=2 m=11 s=27
